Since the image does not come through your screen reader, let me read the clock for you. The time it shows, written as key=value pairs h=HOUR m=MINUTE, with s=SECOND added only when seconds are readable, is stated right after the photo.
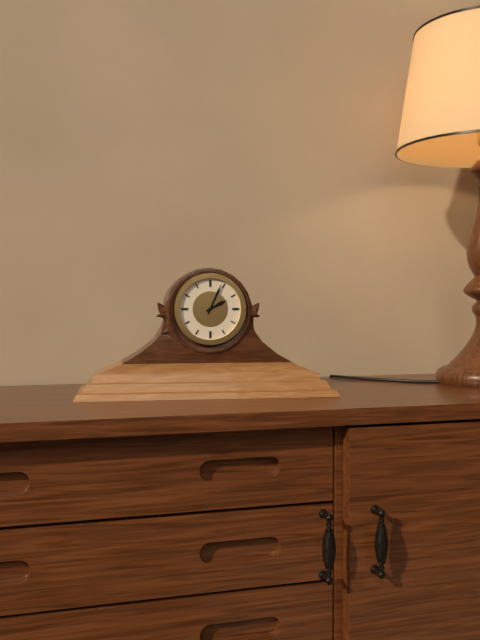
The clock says h=2 m=4
